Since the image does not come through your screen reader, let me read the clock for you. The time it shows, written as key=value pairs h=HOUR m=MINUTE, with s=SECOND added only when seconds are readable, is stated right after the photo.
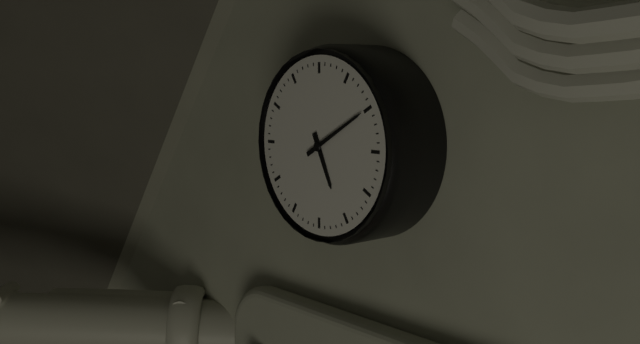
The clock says h=5 m=10
